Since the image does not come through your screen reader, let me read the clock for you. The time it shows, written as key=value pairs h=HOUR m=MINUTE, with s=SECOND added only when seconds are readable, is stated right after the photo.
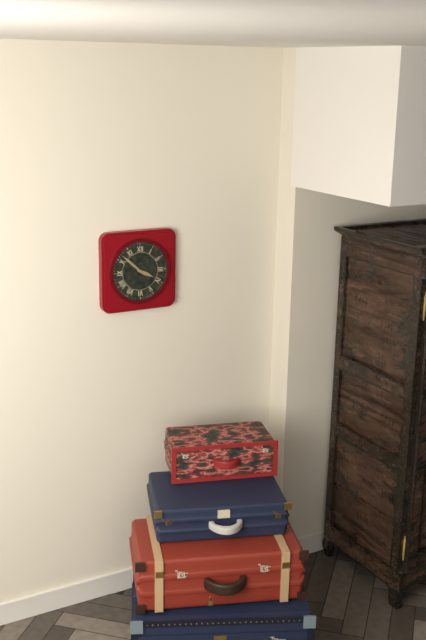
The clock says h=3 m=52
